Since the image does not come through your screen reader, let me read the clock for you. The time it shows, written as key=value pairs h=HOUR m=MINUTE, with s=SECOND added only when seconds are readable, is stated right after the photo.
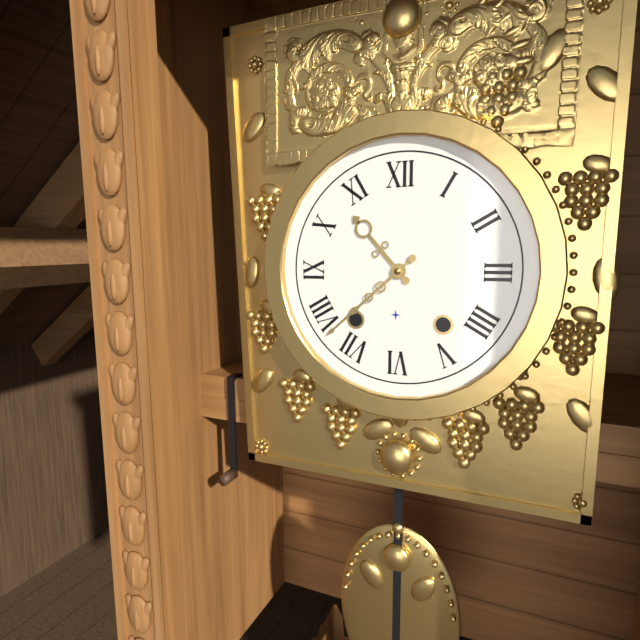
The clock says h=10 m=38
